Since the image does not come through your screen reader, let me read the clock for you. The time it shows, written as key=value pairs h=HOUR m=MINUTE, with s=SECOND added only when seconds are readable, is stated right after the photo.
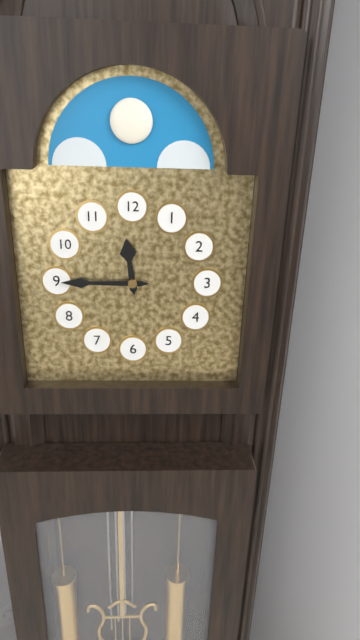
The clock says h=11 m=45
